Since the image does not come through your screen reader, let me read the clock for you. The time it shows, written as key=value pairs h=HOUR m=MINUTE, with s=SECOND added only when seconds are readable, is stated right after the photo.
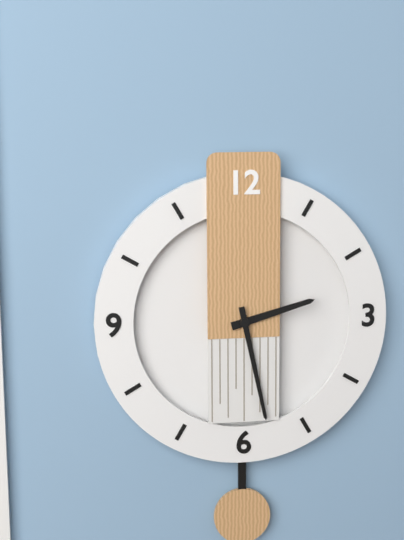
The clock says h=2 m=28
